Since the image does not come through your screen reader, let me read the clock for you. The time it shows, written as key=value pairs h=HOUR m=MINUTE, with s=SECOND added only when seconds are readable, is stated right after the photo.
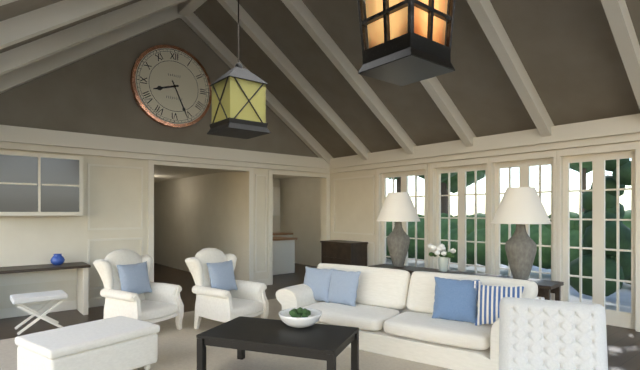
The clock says h=8 m=26
